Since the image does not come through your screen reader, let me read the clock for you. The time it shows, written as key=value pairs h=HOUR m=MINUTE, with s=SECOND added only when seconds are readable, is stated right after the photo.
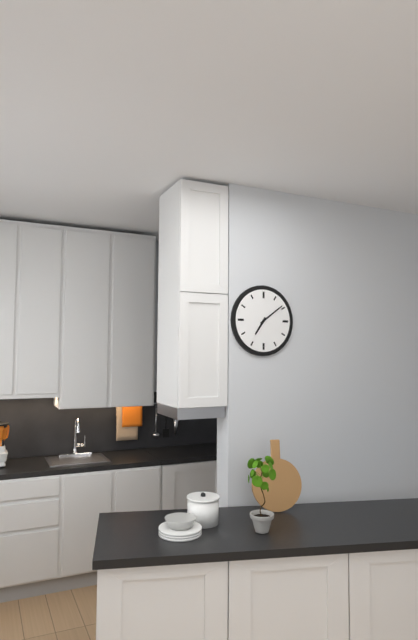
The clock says h=7 m=9
